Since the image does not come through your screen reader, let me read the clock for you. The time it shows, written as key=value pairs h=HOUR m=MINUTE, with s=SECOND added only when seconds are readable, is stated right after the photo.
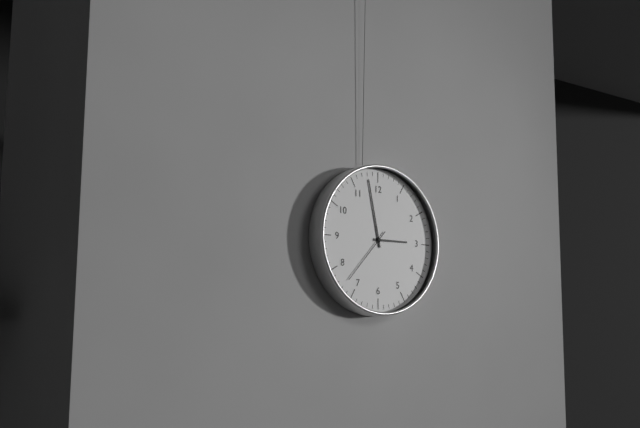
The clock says h=2 m=58 s=37
